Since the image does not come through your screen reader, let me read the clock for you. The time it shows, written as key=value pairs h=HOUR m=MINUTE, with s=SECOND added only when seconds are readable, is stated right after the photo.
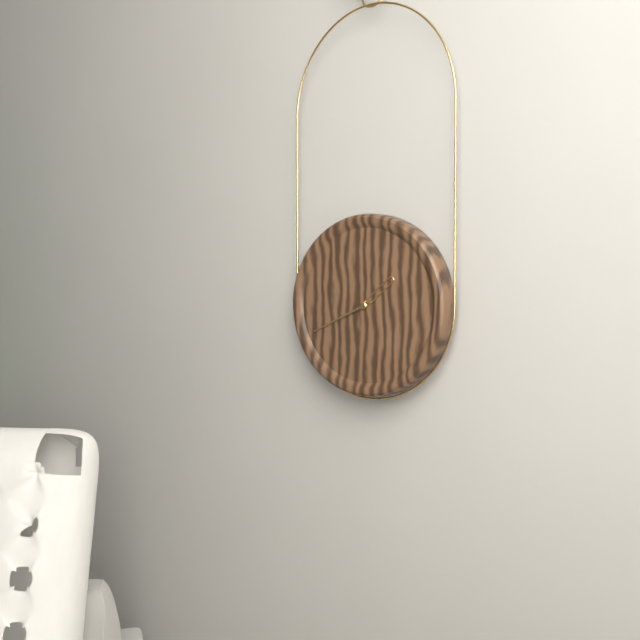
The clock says h=1 m=41
